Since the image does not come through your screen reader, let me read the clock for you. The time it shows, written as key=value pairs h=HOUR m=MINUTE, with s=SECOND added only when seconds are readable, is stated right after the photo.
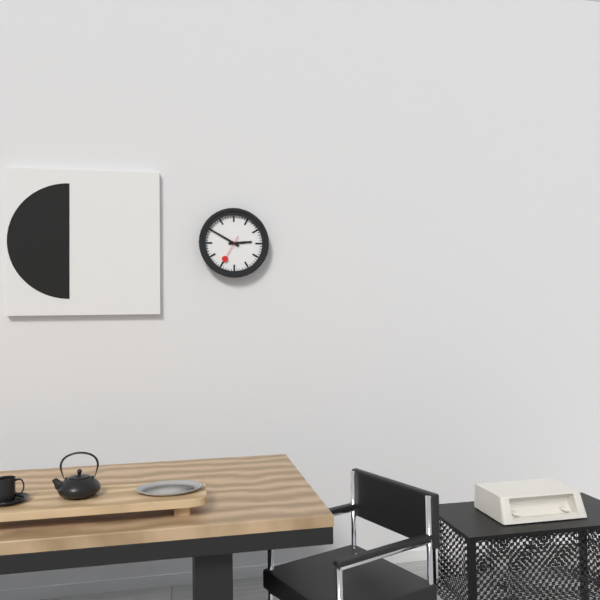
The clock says h=2 m=50
